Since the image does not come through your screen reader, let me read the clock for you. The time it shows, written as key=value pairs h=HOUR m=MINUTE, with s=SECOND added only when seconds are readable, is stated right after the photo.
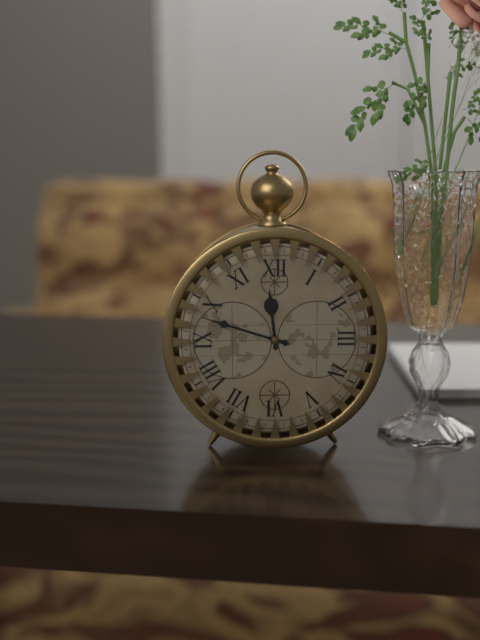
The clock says h=11 m=48
